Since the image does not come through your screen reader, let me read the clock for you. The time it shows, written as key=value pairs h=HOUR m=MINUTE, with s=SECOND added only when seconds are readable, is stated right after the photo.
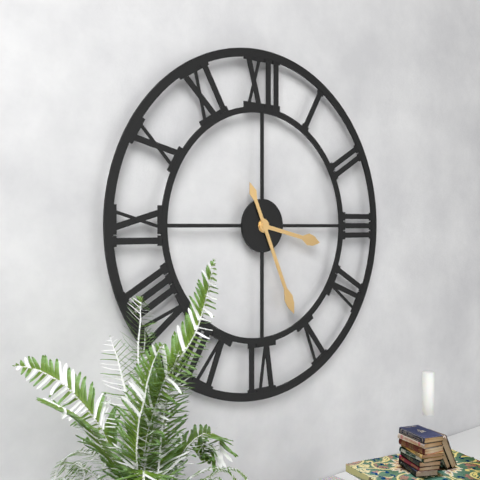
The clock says h=3 m=26
